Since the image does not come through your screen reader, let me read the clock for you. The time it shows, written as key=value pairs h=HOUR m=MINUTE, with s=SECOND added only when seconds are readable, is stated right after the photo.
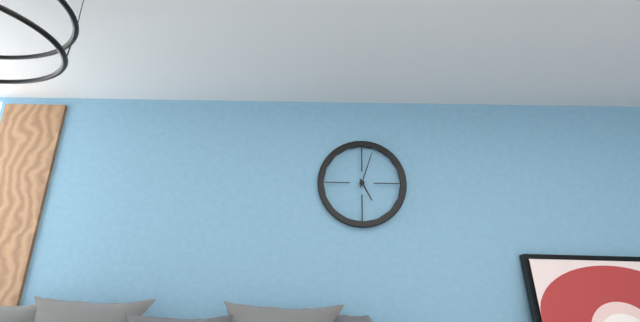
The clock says h=5 m=3
